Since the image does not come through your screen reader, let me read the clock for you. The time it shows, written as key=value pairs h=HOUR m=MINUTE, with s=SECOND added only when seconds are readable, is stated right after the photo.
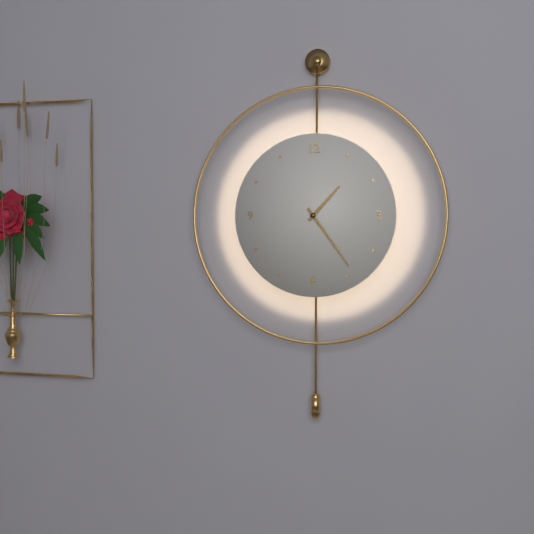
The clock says h=1 m=24
